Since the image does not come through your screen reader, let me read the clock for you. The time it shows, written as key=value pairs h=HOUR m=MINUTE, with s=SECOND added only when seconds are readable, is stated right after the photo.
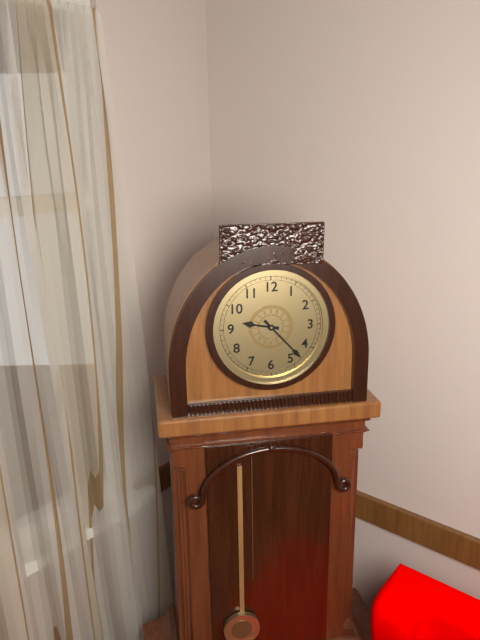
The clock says h=9 m=23
